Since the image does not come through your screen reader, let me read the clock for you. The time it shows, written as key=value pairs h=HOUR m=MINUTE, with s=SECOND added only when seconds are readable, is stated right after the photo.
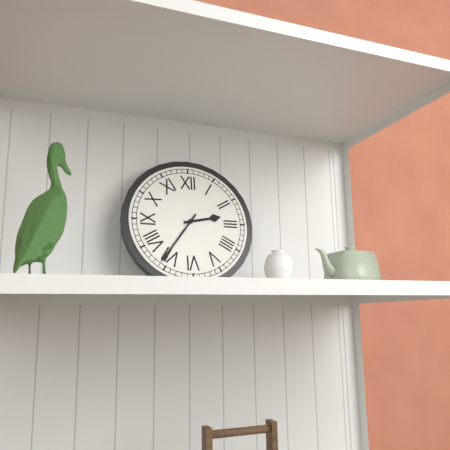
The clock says h=2 m=36
